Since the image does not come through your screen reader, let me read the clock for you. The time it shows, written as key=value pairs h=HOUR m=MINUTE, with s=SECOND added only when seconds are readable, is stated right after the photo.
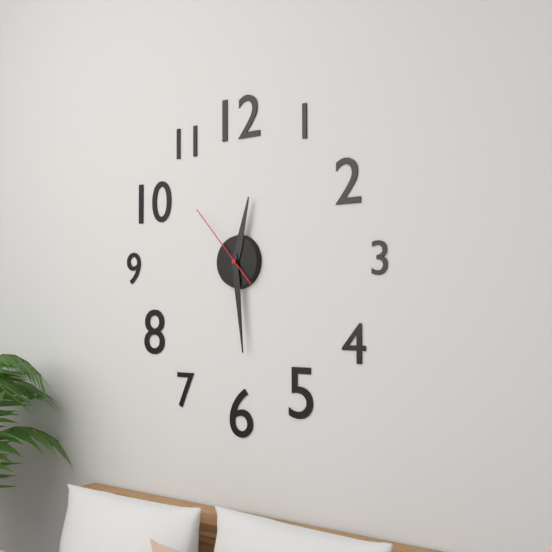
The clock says h=12 m=29 s=53
